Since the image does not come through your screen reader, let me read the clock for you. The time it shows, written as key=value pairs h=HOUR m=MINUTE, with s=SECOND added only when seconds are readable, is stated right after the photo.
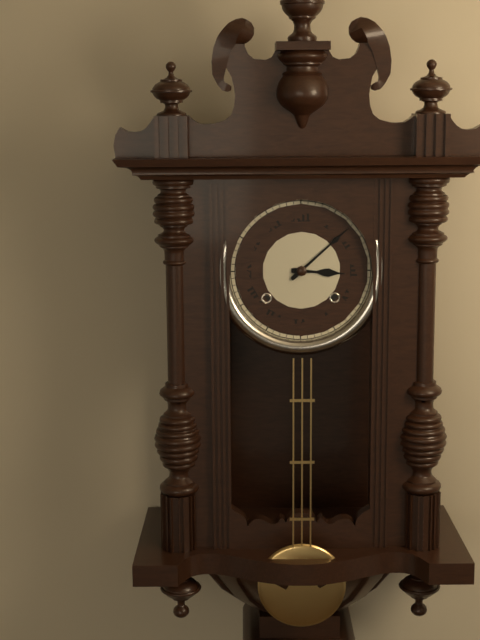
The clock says h=3 m=8
